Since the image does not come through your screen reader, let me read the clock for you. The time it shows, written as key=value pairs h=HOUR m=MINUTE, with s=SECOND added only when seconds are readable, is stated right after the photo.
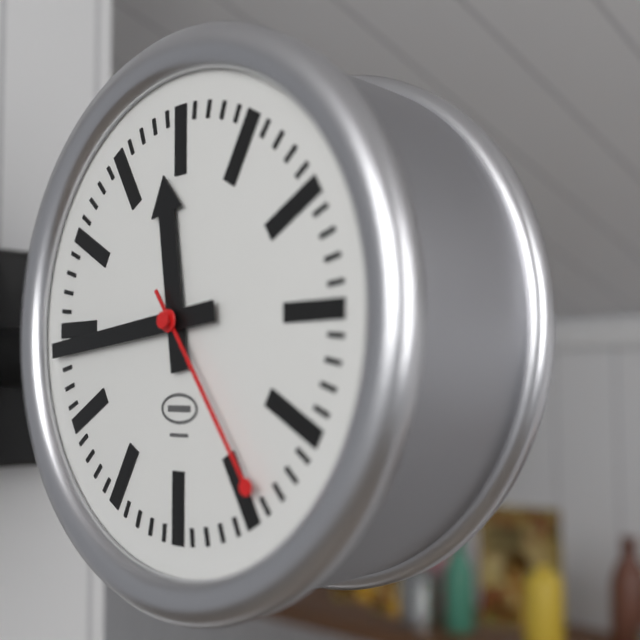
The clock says h=11 m=44 s=24
